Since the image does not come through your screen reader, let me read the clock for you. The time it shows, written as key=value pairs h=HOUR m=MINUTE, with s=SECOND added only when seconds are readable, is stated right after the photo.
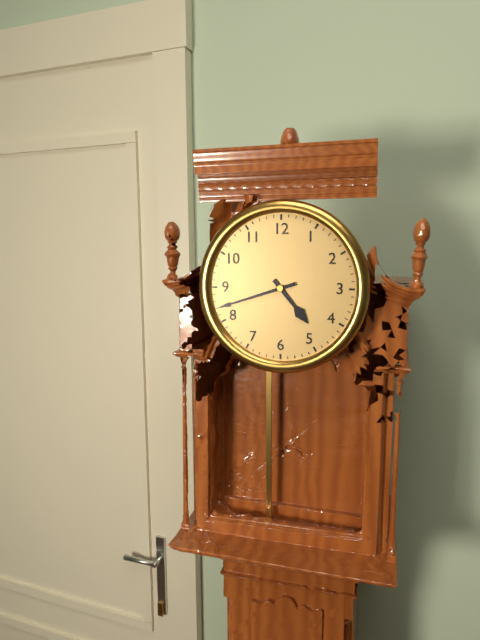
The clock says h=4 m=42
